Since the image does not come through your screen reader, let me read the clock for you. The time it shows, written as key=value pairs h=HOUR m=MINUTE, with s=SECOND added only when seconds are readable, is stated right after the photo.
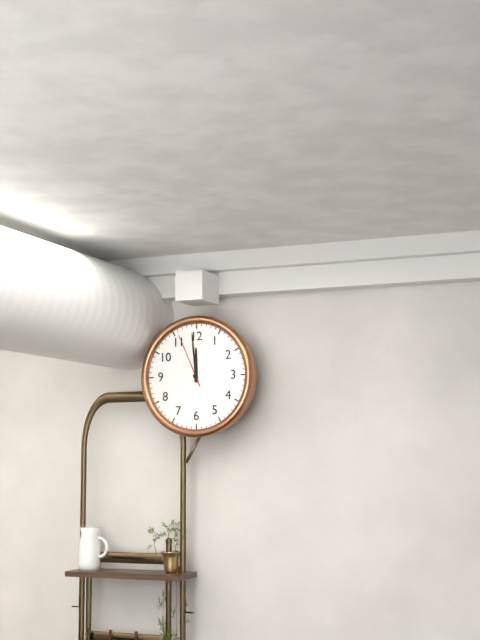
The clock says h=11 m=59 s=56
